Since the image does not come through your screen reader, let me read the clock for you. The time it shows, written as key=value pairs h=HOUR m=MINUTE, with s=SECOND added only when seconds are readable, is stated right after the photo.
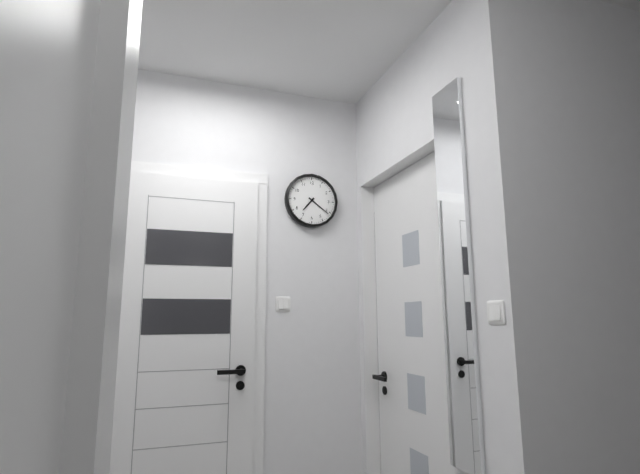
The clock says h=7 m=21
